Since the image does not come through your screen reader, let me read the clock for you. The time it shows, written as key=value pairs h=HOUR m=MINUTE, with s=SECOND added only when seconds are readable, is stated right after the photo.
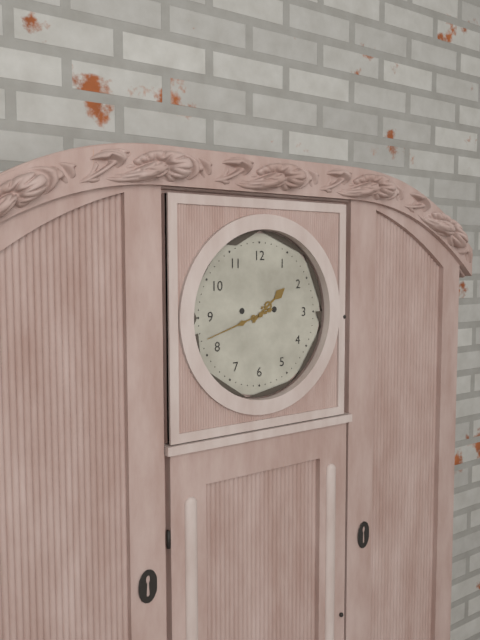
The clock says h=1 m=42
